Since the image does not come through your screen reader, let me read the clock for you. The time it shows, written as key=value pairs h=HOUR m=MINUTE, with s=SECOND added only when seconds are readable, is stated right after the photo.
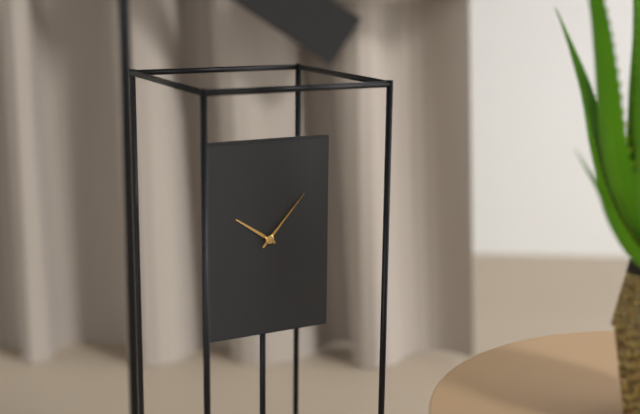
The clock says h=10 m=7
